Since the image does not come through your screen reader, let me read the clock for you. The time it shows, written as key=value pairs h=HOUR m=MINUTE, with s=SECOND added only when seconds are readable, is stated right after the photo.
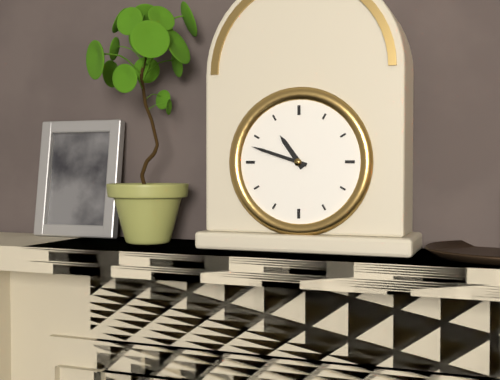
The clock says h=10 m=48
